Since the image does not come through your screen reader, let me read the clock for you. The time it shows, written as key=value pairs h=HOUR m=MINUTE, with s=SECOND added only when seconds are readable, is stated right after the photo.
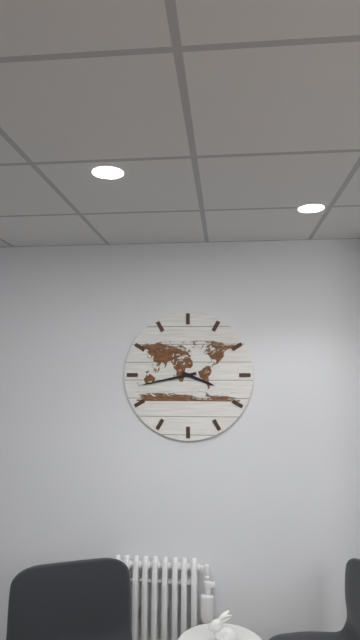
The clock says h=3 m=43
